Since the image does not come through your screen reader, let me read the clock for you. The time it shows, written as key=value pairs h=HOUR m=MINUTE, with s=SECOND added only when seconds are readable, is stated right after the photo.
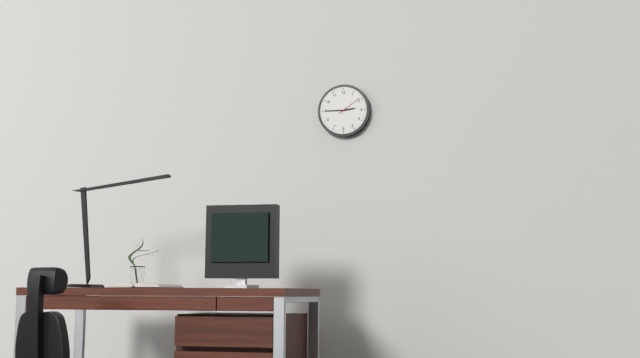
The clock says h=2 m=45
